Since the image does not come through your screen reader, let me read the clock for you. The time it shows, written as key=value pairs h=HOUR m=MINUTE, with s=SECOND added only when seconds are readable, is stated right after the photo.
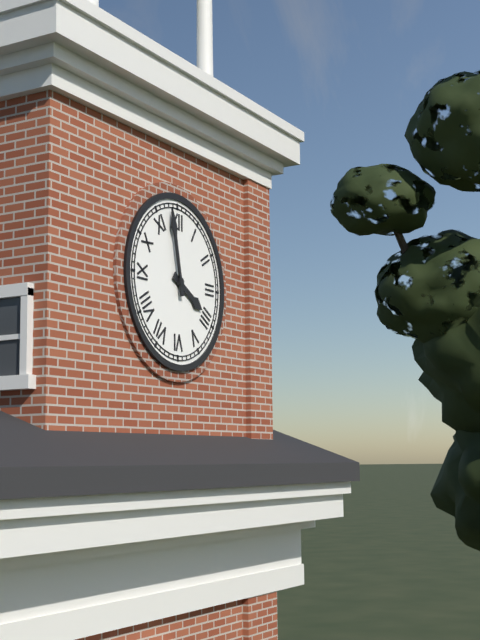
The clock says h=3 m=58
